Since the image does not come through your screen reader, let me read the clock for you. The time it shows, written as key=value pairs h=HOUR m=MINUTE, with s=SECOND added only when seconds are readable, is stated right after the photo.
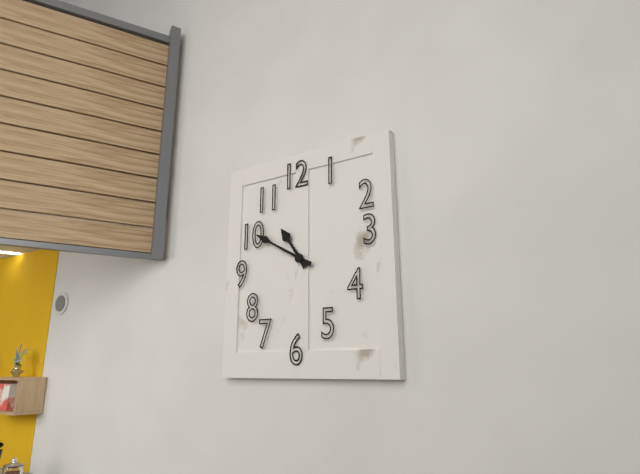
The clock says h=10 m=50
